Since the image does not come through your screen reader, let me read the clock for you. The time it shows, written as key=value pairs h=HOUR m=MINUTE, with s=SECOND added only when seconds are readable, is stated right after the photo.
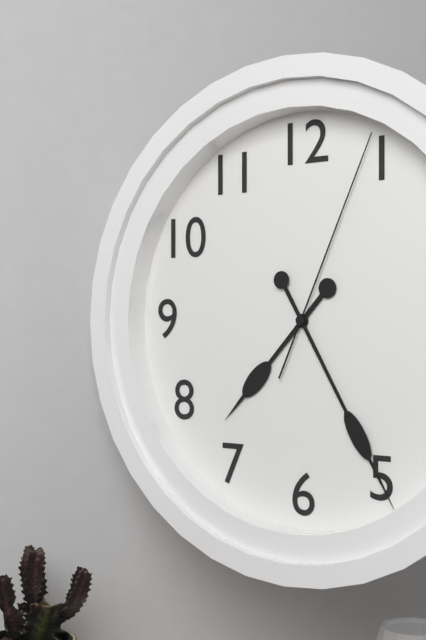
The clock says h=7 m=25 s=4
